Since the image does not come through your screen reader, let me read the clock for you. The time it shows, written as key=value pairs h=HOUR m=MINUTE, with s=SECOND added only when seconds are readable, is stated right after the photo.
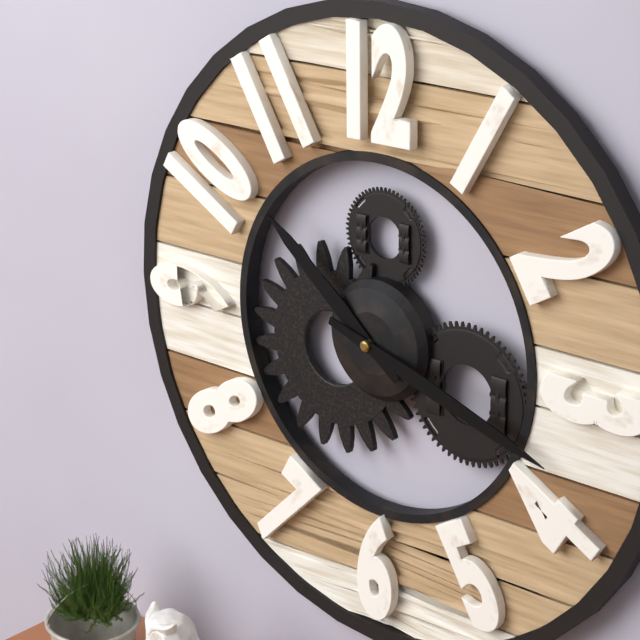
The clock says h=10 m=18
